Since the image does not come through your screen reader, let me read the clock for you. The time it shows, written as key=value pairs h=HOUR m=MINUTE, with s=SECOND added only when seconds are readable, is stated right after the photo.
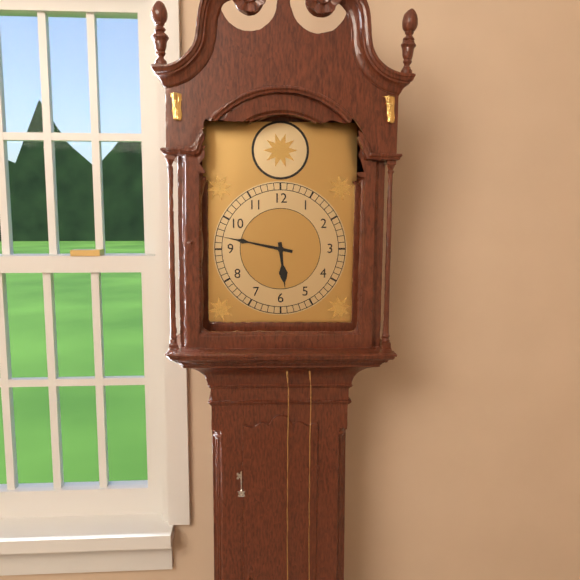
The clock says h=5 m=47
